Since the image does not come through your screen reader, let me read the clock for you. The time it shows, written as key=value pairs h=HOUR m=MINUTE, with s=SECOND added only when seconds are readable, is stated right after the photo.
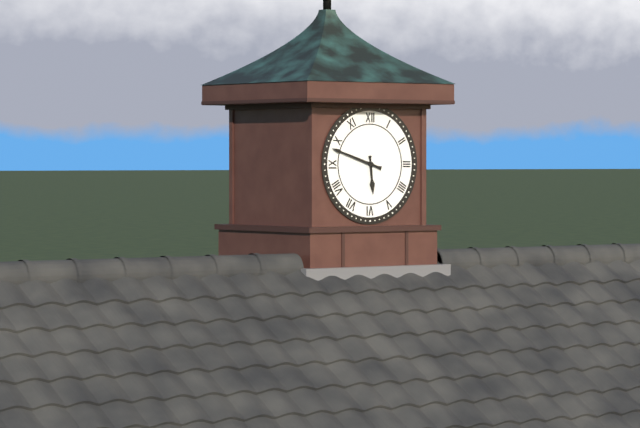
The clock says h=5 m=48
